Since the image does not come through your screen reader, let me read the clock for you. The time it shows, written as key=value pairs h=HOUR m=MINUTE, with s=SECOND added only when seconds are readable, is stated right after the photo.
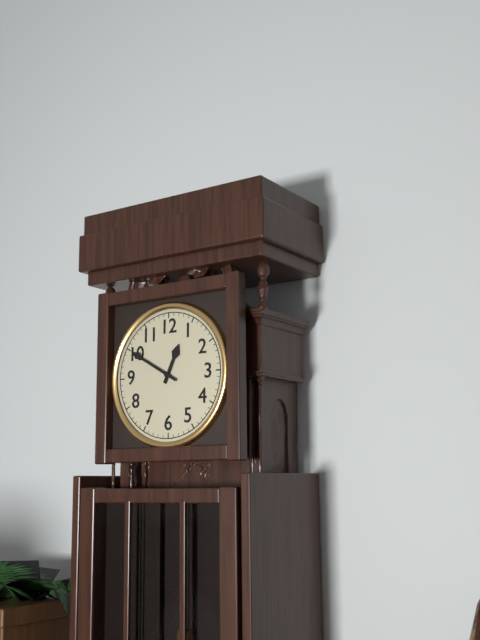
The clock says h=12 m=50
